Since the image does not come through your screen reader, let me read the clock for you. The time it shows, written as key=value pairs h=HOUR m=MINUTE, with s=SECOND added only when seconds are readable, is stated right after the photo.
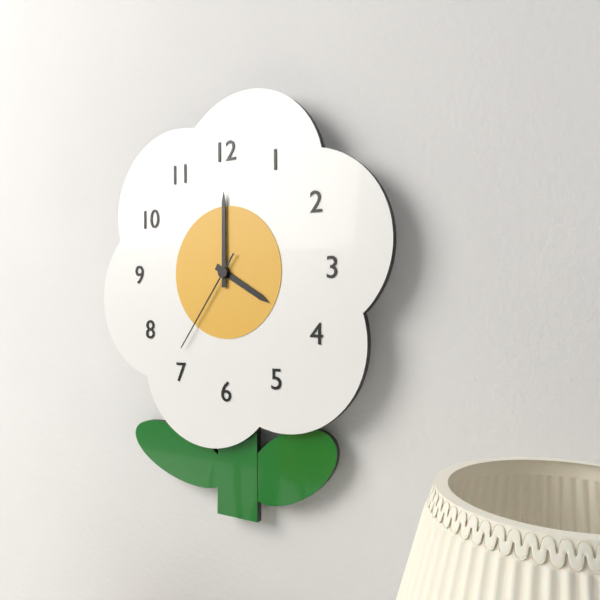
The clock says h=4 m=0 s=36
